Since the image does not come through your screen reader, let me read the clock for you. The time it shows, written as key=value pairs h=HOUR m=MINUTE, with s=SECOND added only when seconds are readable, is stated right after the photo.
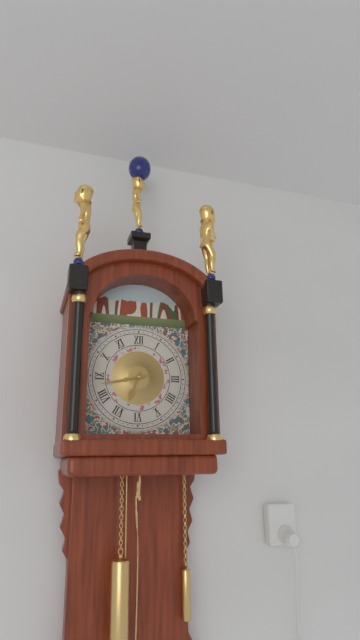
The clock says h=6 m=43
